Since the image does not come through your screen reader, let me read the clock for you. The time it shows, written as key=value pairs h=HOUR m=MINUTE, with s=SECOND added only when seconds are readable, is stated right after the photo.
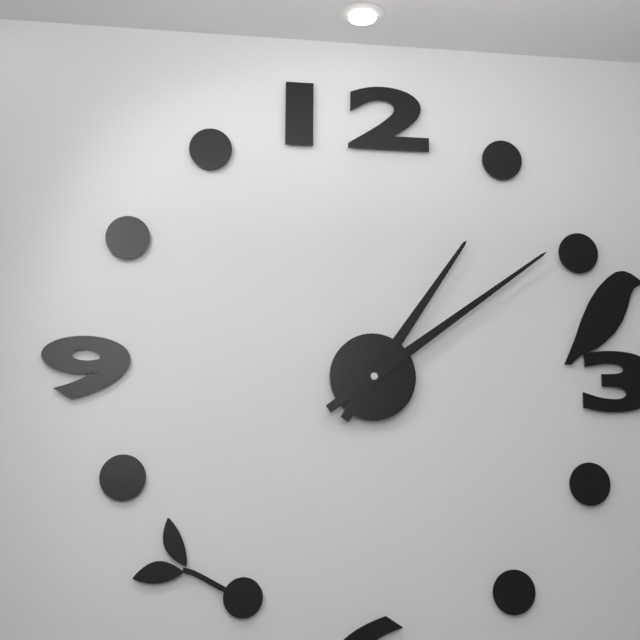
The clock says h=1 m=9
